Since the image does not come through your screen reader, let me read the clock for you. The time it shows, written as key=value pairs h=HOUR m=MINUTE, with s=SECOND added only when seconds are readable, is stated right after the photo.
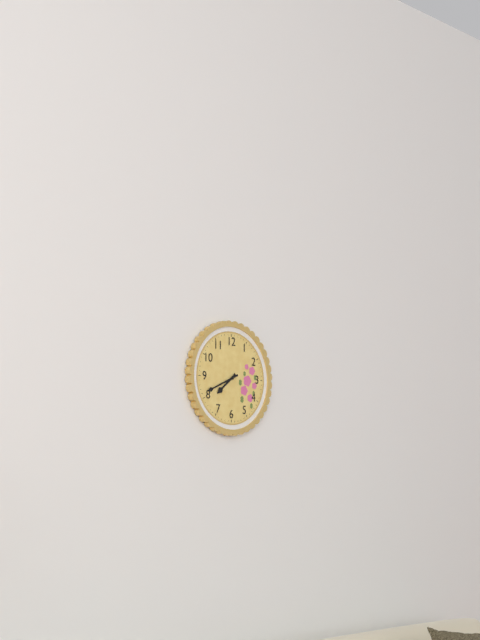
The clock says h=7 m=41
